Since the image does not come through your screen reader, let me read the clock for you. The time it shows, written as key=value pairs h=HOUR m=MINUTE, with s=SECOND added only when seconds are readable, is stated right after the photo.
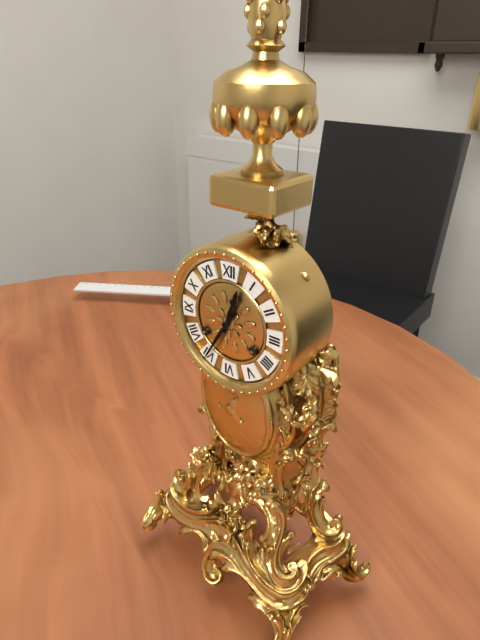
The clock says h=12 m=35
